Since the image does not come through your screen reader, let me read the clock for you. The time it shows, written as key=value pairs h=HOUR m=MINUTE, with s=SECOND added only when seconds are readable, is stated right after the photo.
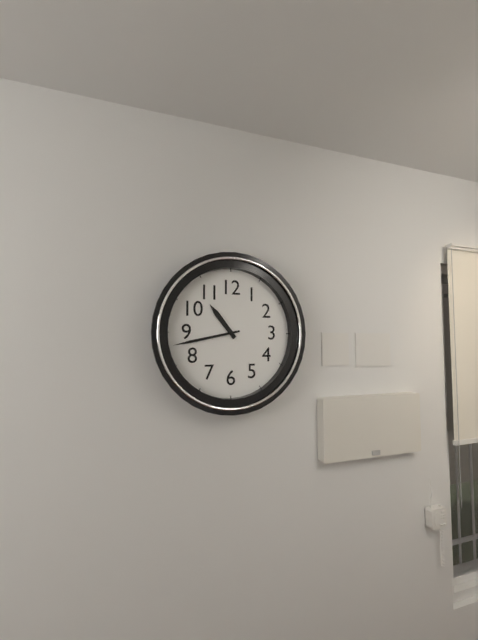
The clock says h=10 m=43
